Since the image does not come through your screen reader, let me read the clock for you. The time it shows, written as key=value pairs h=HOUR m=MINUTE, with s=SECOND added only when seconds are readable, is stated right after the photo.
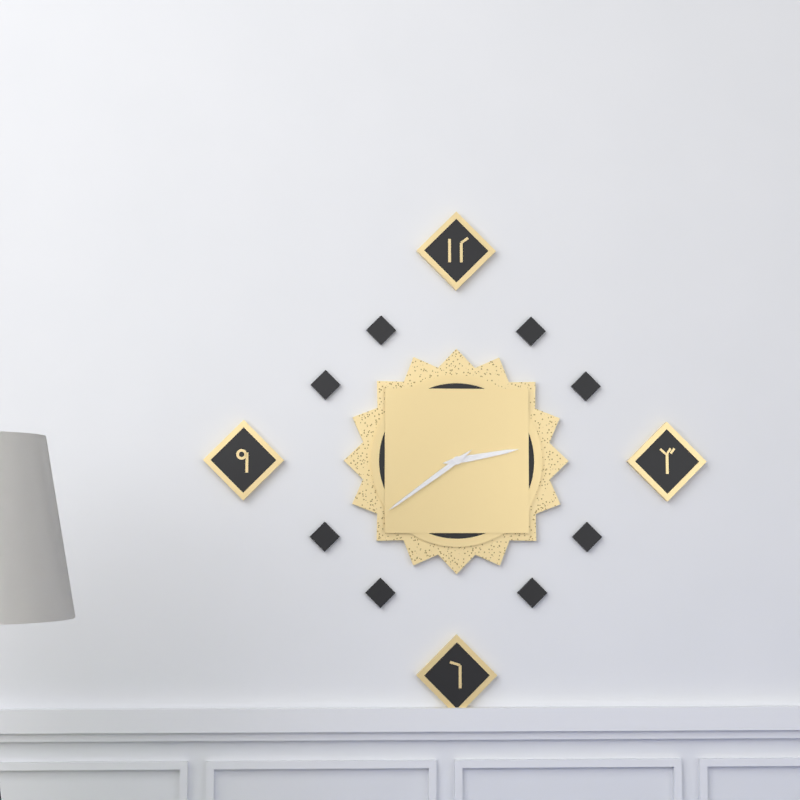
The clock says h=2 m=39
